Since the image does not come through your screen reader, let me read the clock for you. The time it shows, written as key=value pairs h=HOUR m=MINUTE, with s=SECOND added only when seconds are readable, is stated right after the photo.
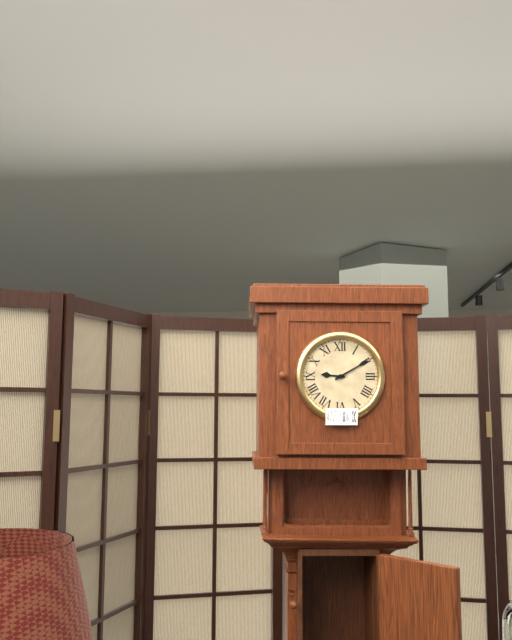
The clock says h=9 m=10
